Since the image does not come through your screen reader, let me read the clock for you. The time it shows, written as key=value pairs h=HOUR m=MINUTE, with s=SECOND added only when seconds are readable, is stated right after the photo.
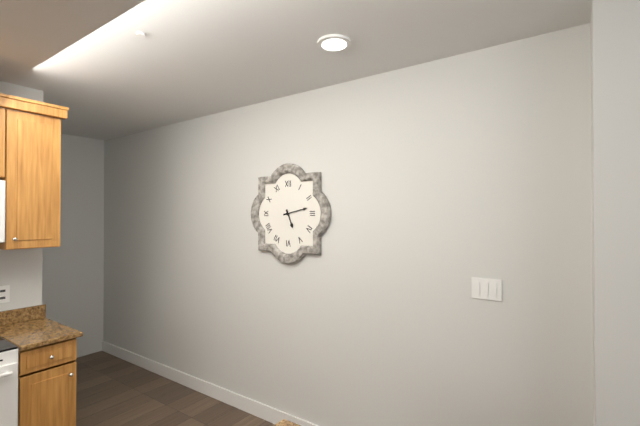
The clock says h=5 m=13
